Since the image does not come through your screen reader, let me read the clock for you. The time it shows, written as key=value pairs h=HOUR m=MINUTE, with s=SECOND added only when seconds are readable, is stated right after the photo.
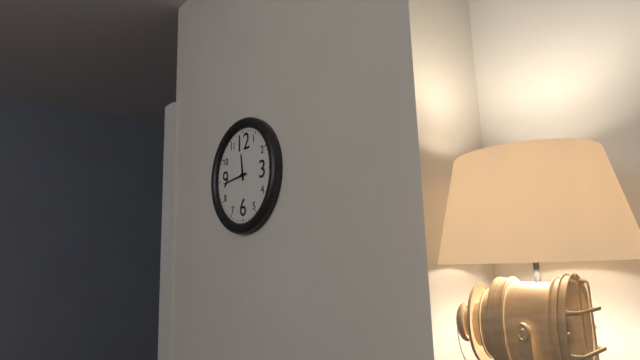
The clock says h=11 m=44
